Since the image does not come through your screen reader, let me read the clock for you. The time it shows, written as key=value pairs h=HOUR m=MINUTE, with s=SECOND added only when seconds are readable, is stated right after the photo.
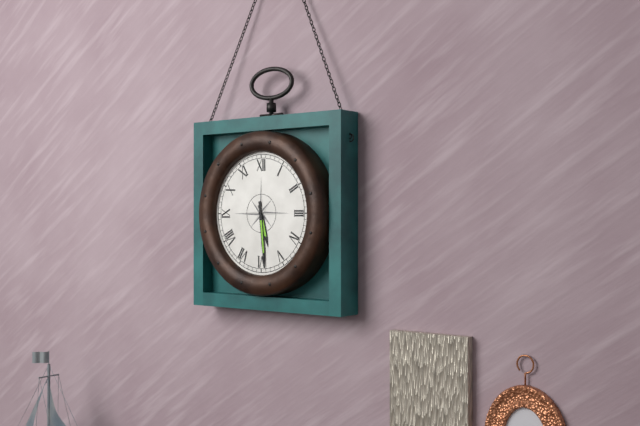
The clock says h=5 m=29
